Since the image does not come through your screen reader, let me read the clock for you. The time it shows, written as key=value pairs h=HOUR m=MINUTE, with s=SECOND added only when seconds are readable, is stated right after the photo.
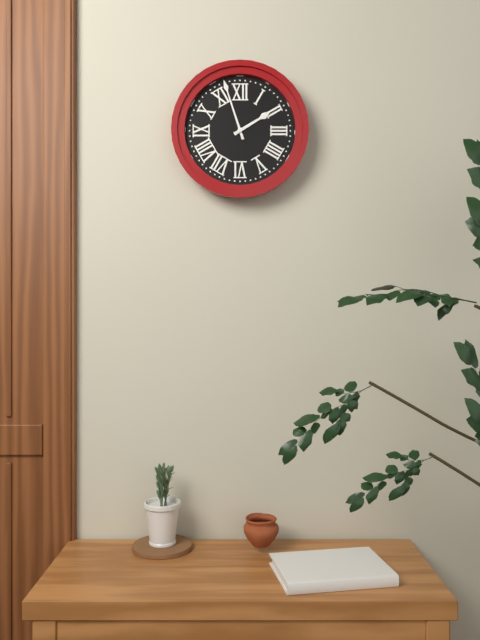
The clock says h=1 m=57
